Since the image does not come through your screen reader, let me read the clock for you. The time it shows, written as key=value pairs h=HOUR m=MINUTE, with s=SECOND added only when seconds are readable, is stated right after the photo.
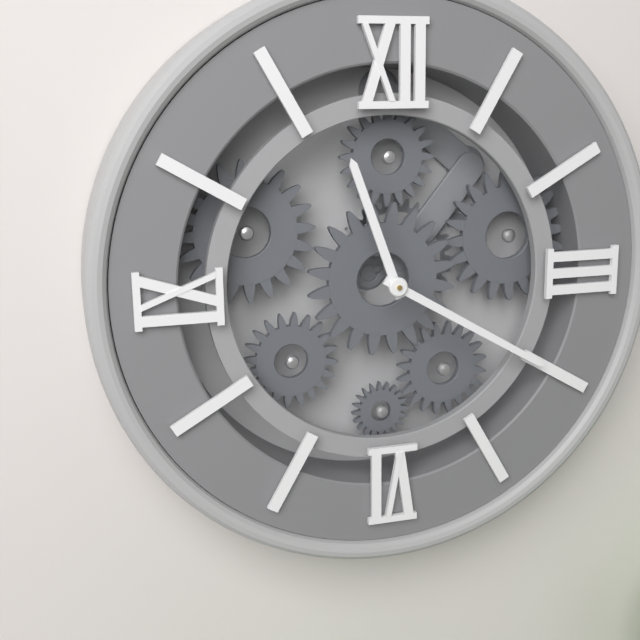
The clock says h=11 m=20
